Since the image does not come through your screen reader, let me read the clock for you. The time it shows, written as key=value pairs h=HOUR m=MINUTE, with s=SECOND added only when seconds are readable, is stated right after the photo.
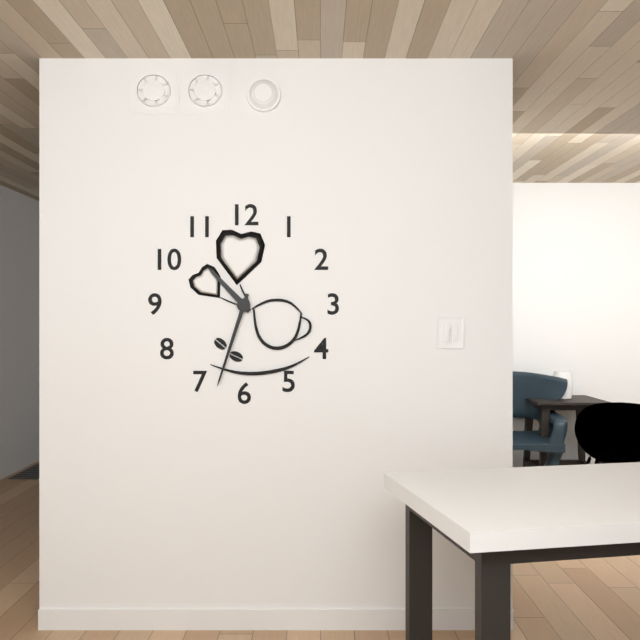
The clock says h=10 m=33
